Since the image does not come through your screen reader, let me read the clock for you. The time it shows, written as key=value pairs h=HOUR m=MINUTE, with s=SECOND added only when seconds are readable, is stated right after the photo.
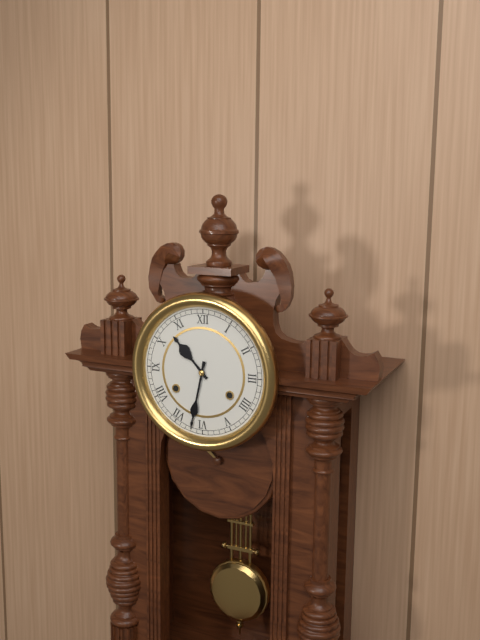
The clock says h=10 m=32
